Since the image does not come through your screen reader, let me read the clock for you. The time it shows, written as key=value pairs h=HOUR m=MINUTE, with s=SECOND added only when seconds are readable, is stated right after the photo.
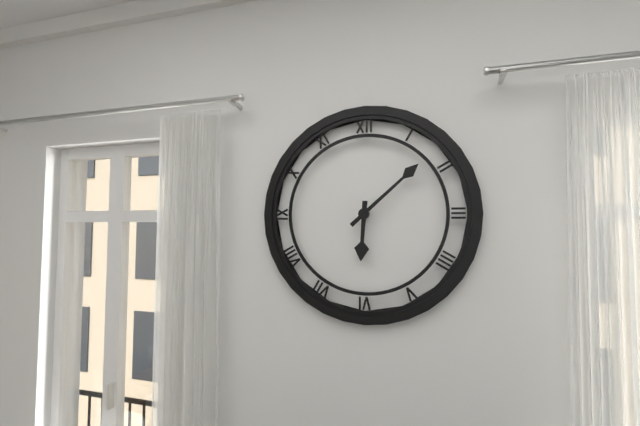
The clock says h=6 m=8
